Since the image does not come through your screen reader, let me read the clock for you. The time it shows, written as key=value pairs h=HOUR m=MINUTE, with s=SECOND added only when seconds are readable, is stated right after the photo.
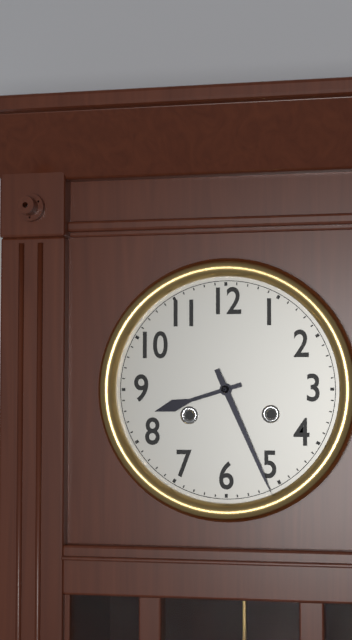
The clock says h=8 m=26
